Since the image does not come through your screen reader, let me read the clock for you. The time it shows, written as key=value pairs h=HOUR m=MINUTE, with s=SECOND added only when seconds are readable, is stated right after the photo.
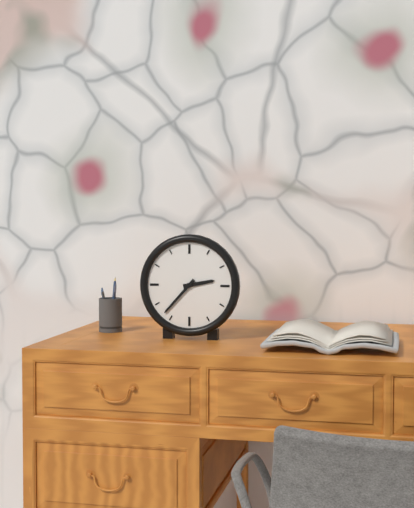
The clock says h=2 m=37
